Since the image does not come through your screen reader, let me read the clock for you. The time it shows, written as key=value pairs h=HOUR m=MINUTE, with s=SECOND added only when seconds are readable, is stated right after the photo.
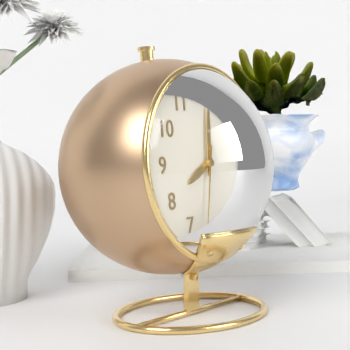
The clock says h=8 m=1 s=32
